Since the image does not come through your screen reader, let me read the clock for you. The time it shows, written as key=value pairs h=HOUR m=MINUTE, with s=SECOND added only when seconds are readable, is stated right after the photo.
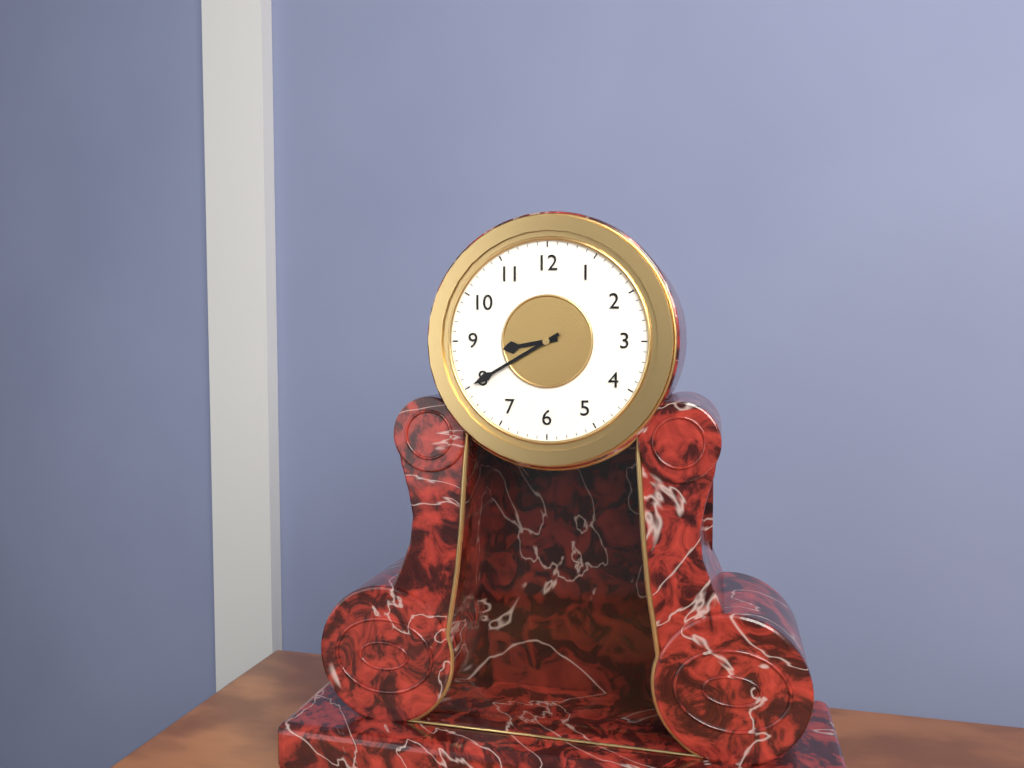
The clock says h=8 m=40
